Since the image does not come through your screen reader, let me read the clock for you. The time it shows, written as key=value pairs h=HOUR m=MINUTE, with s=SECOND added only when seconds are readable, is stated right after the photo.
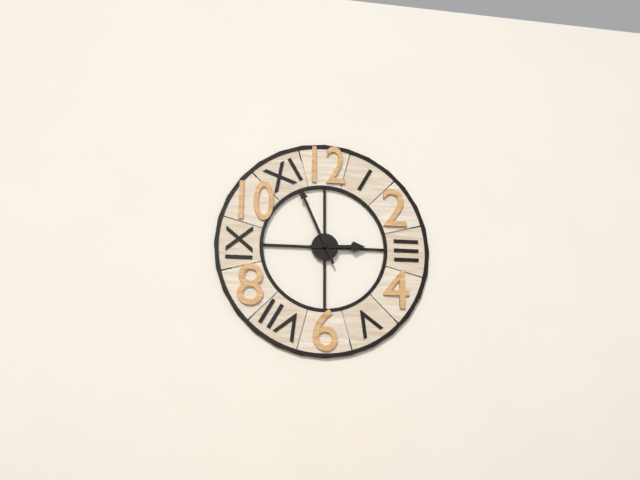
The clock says h=2 m=56
